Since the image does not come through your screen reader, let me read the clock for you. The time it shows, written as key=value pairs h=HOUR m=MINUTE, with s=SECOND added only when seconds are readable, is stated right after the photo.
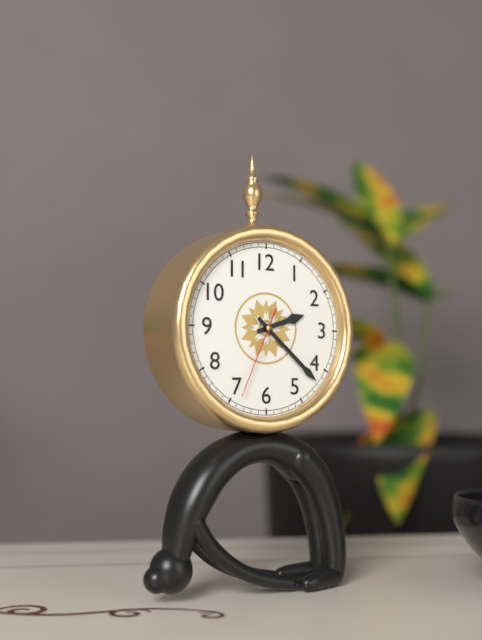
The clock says h=2 m=22 s=34
